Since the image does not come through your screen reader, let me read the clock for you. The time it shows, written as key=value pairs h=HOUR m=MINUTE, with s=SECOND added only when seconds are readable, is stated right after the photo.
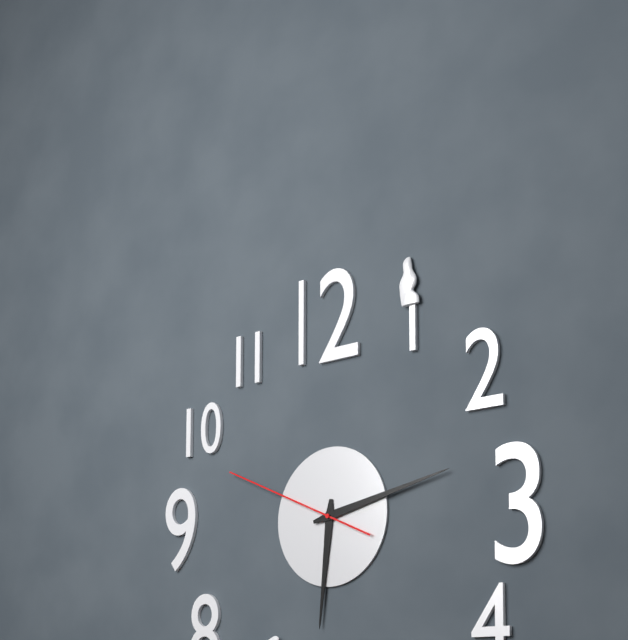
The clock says h=6 m=13 s=49
